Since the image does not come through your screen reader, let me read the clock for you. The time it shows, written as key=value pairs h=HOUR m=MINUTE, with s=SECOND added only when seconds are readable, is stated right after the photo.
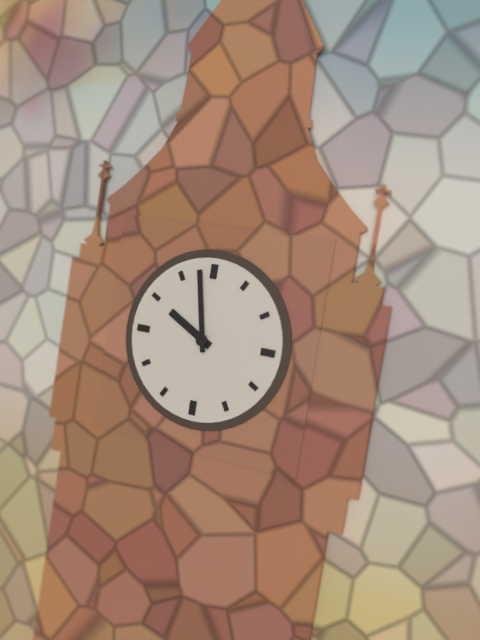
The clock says h=9 m=58
